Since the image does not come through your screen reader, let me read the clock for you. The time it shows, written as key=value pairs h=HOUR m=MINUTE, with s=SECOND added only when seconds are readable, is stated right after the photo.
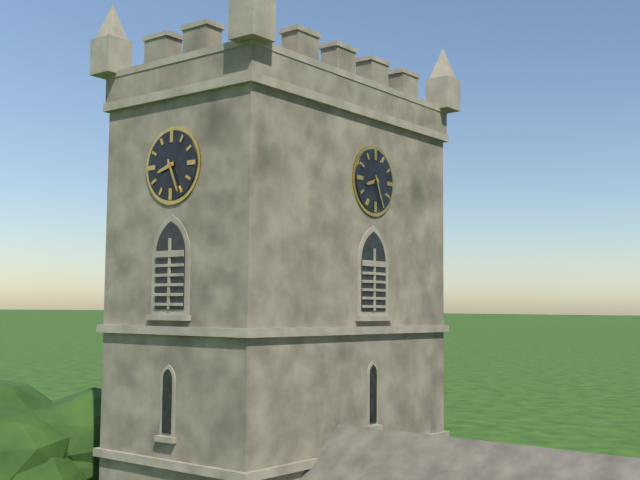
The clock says h=8 m=26
